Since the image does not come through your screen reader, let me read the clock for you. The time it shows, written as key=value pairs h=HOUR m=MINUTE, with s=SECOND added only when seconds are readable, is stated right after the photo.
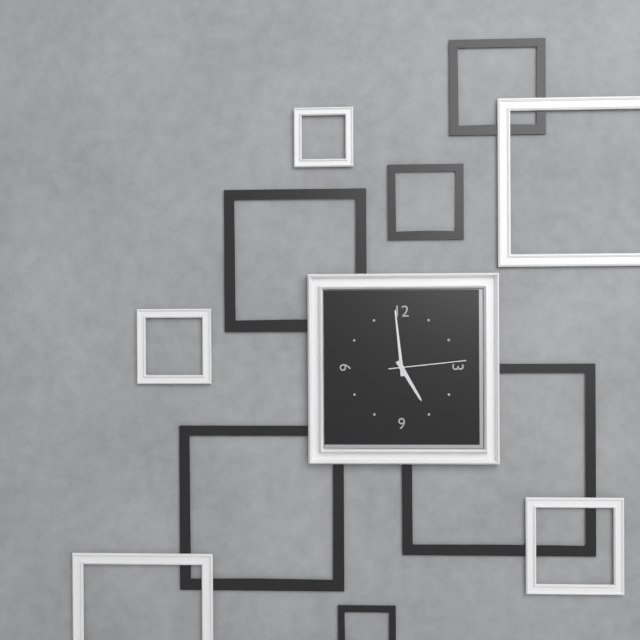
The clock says h=4 m=59 s=14
